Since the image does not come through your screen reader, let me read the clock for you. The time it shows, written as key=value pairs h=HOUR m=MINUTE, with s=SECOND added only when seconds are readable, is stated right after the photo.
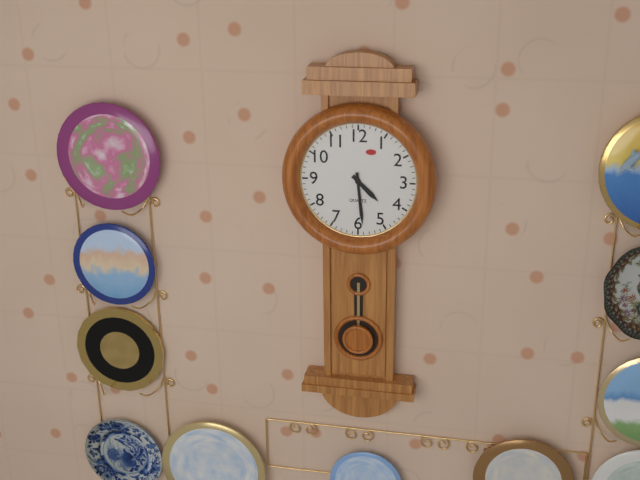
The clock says h=4 m=29
